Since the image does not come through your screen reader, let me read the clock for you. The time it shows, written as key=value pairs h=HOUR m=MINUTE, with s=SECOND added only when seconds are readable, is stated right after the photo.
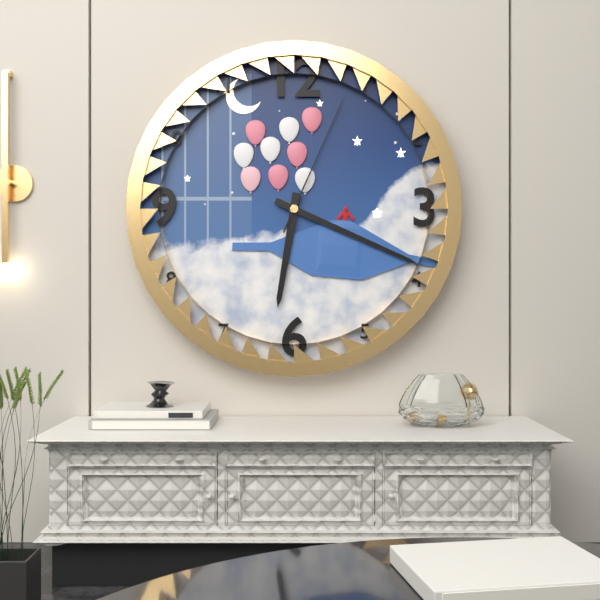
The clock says h=6 m=19 s=4
